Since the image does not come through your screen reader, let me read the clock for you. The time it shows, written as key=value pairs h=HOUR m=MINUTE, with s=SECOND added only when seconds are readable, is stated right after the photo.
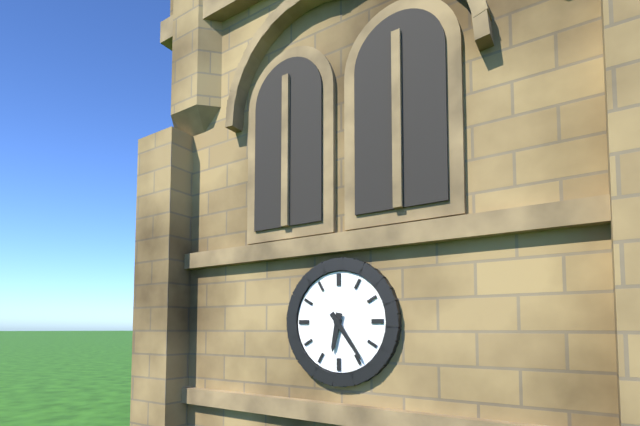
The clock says h=6 m=24
